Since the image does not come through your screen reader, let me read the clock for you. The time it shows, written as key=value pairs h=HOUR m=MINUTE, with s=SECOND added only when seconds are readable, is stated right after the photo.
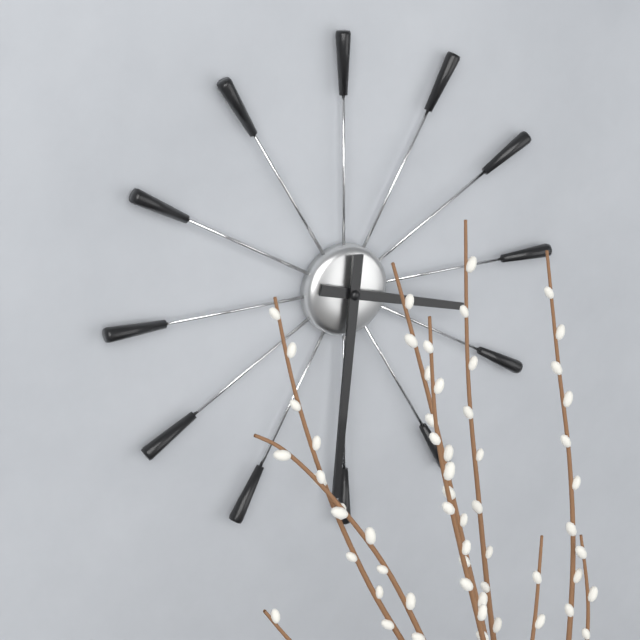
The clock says h=3 m=31
